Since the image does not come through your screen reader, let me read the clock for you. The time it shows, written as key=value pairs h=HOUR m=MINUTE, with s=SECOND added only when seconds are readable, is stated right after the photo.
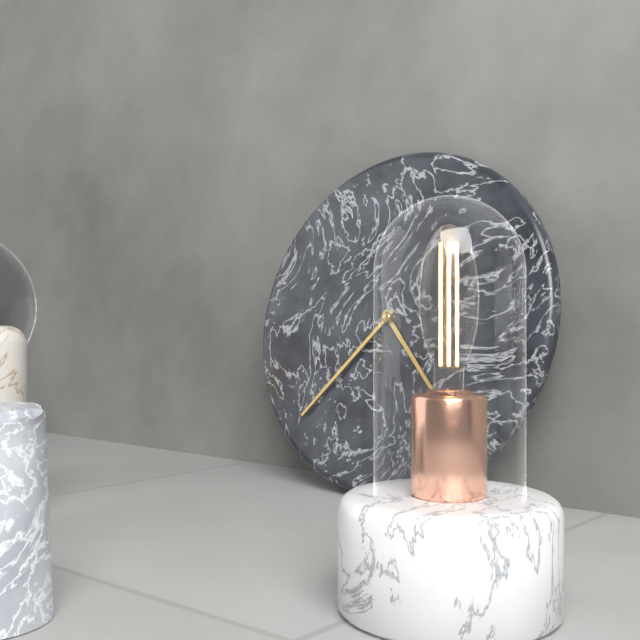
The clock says h=4 m=37
